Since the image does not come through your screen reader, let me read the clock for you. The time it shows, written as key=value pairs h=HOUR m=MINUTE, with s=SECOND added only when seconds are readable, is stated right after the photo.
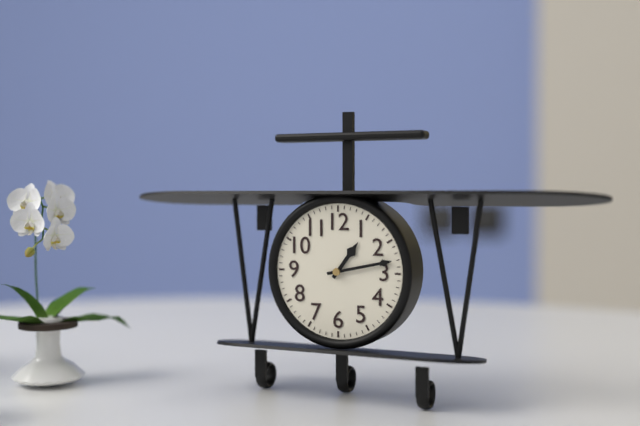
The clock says h=1 m=13
